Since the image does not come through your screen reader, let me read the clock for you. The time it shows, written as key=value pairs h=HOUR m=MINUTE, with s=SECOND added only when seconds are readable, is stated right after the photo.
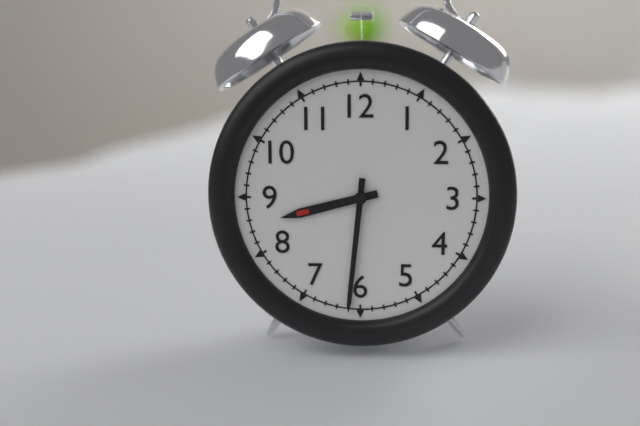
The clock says h=8 m=31
